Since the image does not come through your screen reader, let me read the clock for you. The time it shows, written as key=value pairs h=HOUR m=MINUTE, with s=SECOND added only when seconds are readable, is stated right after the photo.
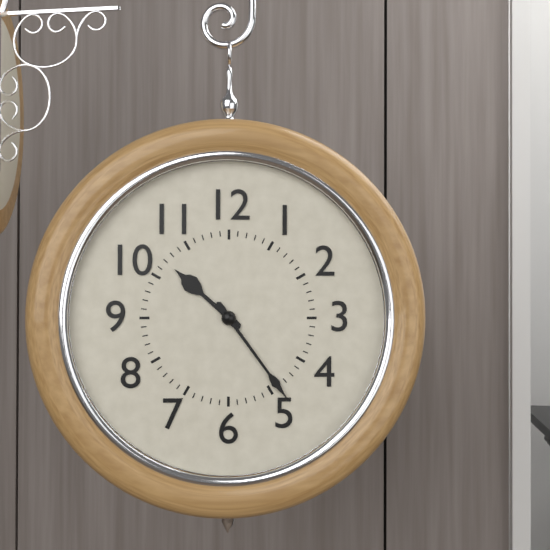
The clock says h=10 m=24
